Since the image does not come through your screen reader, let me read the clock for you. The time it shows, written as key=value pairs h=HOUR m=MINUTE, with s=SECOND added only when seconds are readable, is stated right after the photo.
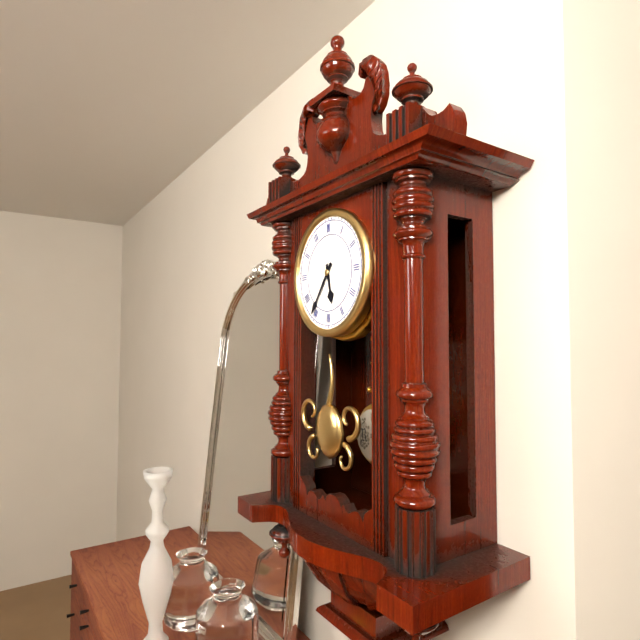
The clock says h=5 m=36
